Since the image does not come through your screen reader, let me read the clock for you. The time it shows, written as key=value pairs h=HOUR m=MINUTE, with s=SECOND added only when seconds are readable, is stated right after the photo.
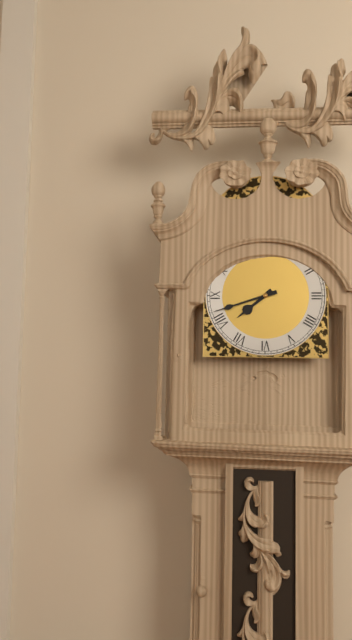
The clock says h=7 m=42
